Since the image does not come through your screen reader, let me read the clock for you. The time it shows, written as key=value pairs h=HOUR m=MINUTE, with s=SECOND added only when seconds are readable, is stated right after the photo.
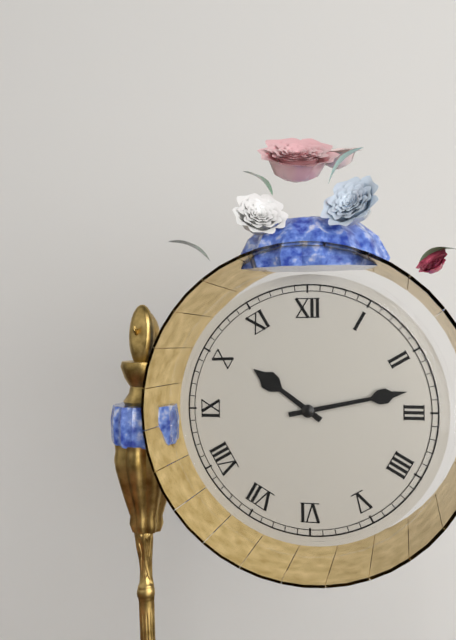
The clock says h=10 m=13
